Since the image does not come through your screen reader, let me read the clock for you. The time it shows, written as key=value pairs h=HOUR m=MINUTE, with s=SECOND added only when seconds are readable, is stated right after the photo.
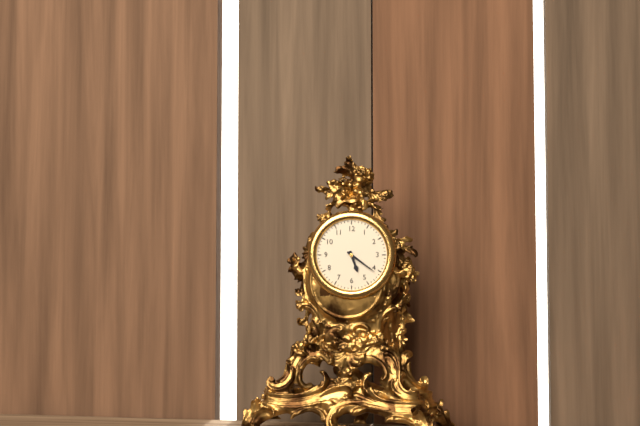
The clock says h=5 m=21
